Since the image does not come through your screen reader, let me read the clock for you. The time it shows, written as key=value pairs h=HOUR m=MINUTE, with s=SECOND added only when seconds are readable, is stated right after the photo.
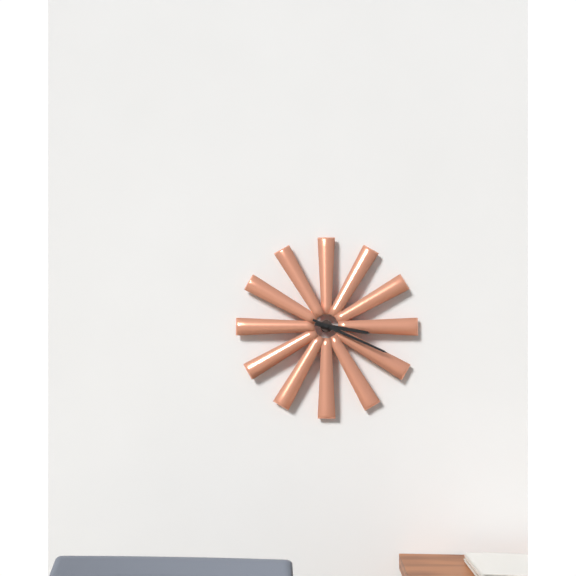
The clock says h=3 m=19
